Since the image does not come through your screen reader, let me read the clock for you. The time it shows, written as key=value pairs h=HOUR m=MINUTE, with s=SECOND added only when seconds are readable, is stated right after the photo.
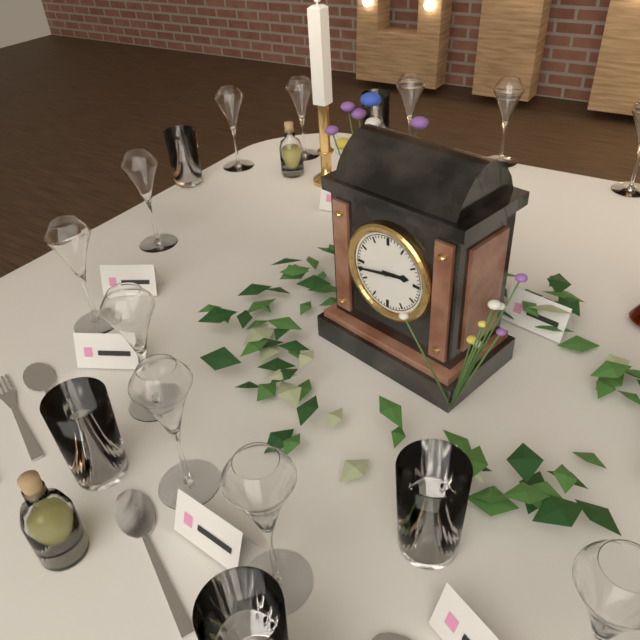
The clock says h=2 m=43
